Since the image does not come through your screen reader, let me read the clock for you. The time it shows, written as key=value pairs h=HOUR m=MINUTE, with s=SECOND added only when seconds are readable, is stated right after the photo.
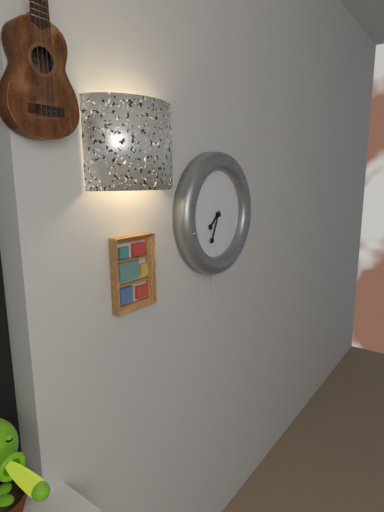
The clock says h=7 m=34
